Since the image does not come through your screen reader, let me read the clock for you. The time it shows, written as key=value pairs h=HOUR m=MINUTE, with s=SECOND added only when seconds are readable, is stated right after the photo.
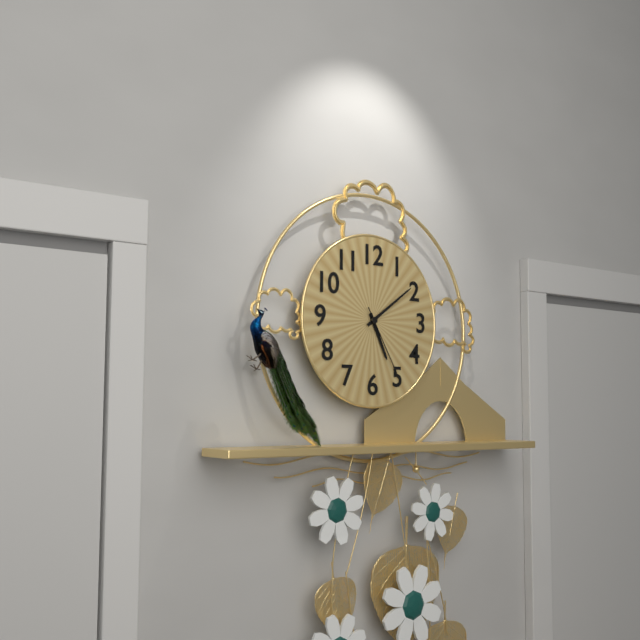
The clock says h=5 m=9 s=25
